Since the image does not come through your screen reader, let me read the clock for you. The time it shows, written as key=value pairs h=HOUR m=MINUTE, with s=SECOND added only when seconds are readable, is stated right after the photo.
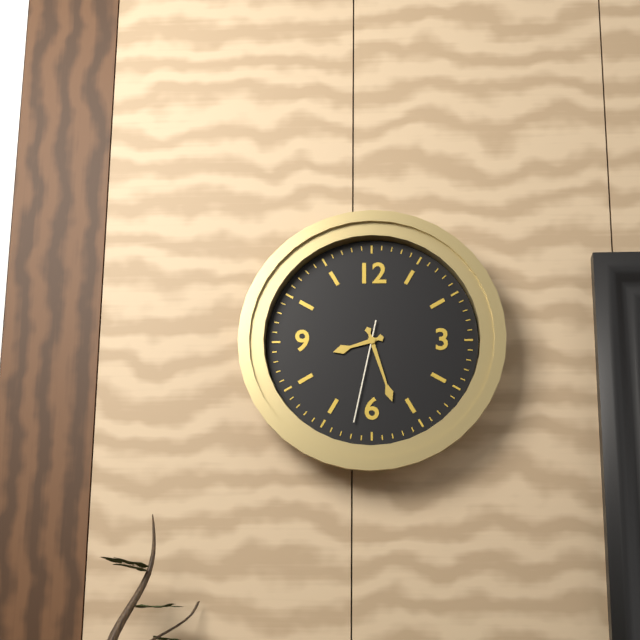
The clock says h=8 m=27 s=32
